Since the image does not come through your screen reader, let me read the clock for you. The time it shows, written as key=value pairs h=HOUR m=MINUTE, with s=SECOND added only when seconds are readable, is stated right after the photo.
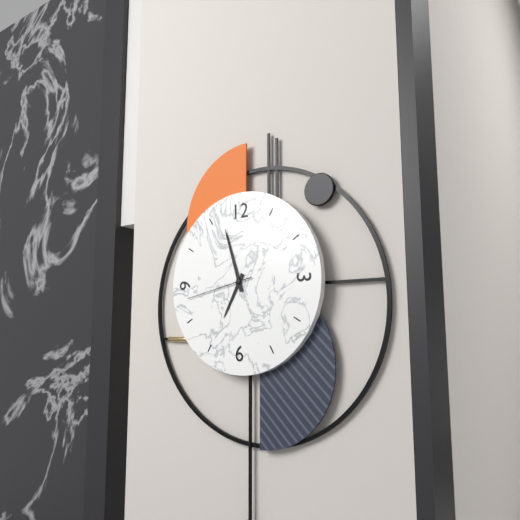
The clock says h=6 m=57 s=43
